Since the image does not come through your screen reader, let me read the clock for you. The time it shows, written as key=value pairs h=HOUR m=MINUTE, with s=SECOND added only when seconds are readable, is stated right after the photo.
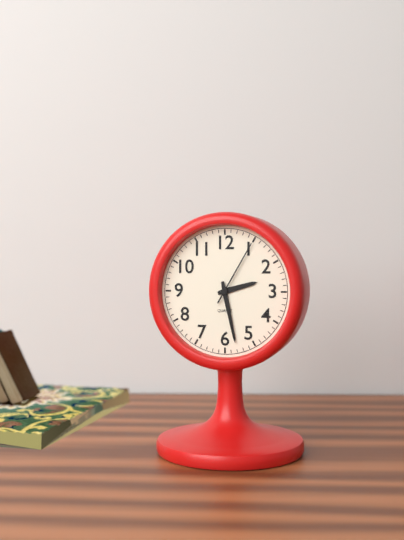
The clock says h=2 m=28 s=5
